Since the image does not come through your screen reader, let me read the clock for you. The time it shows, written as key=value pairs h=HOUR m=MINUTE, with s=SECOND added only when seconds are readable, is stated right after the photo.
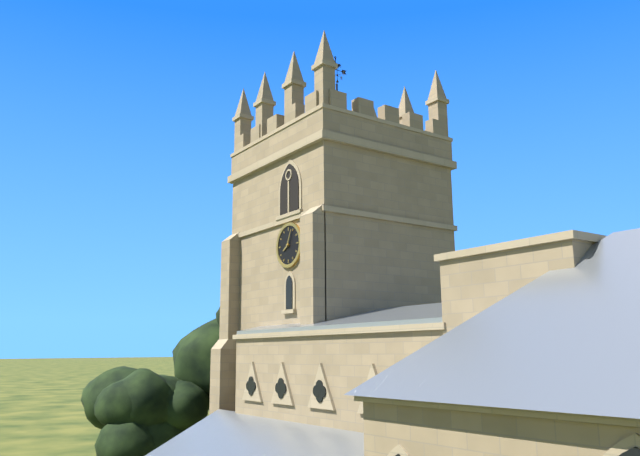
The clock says h=8 m=4
